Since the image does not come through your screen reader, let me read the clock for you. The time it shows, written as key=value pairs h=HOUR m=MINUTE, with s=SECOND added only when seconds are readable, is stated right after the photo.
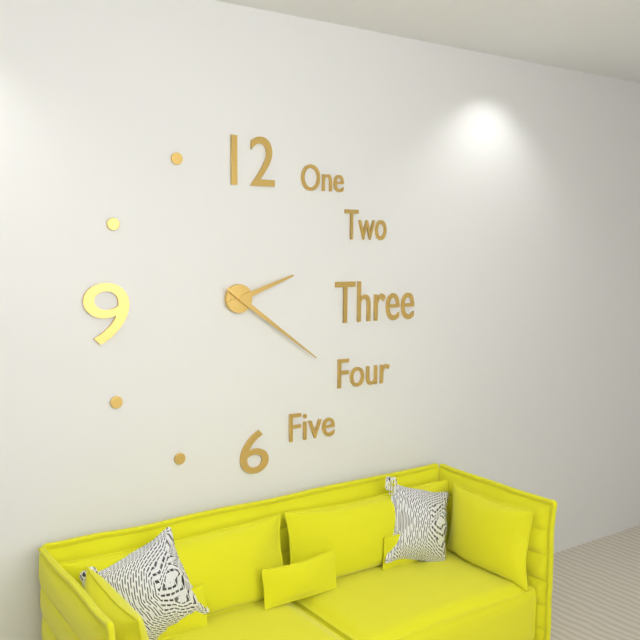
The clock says h=2 m=21
